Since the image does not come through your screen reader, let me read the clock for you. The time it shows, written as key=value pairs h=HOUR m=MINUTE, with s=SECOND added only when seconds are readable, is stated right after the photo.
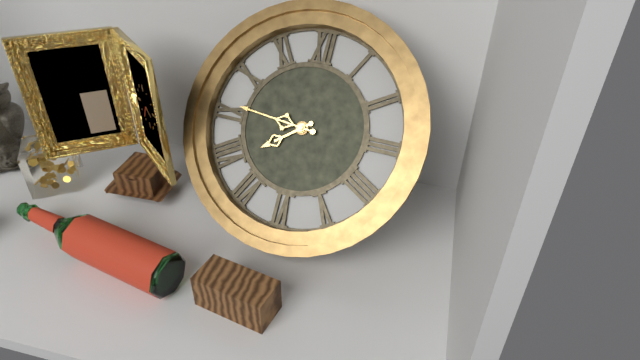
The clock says h=7 m=46
